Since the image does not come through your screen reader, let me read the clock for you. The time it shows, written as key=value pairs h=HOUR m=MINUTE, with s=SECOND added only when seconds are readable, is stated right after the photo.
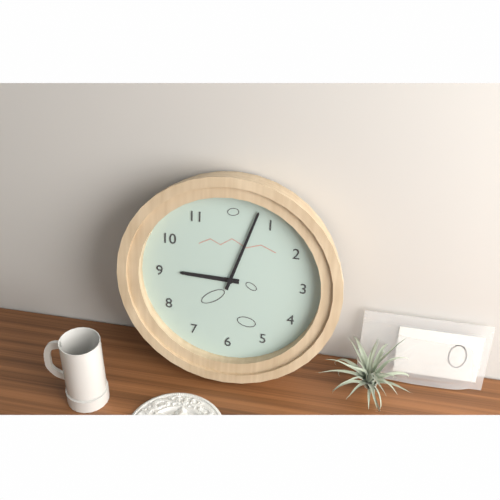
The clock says h=9 m=3
